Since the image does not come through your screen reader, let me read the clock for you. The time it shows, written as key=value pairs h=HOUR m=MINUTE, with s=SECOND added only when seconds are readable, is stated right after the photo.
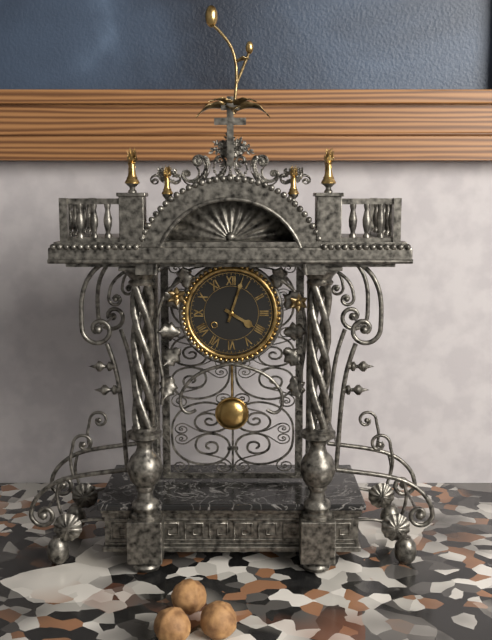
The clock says h=4 m=3
